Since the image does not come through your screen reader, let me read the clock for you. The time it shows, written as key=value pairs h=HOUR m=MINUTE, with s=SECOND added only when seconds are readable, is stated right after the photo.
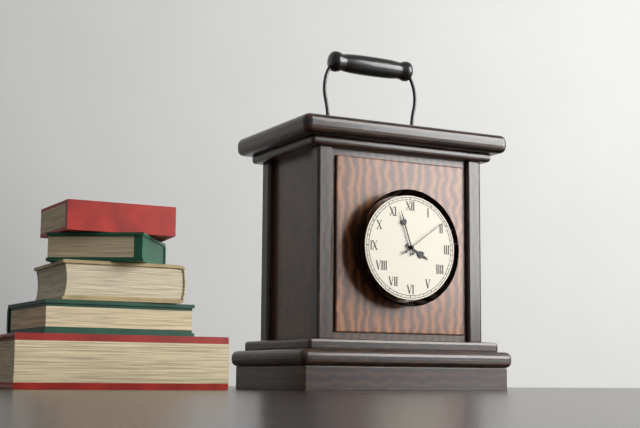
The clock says h=3 m=57 s=9
